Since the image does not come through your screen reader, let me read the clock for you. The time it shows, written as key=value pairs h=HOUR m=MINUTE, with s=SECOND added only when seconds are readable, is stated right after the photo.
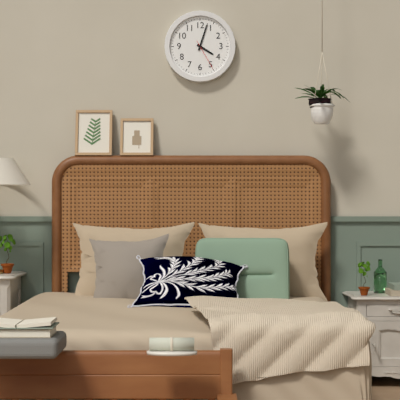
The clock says h=4 m=3
